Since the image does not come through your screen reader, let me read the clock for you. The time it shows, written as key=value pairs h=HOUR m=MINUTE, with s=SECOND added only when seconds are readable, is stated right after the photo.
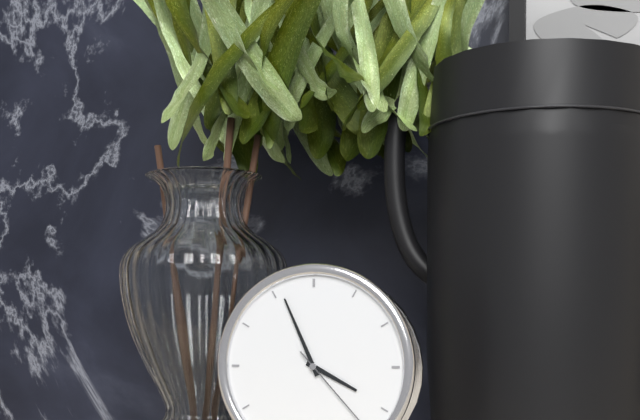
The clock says h=3 m=56
